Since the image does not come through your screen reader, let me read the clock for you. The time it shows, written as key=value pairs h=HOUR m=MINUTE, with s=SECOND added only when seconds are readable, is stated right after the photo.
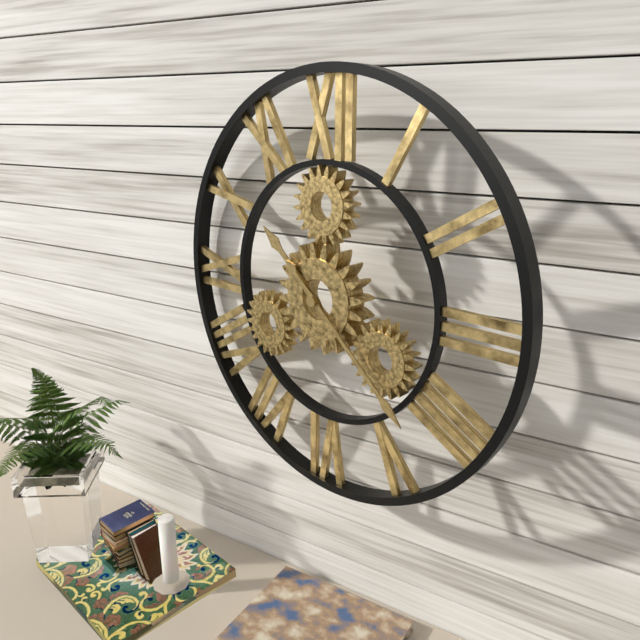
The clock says h=10 m=22
